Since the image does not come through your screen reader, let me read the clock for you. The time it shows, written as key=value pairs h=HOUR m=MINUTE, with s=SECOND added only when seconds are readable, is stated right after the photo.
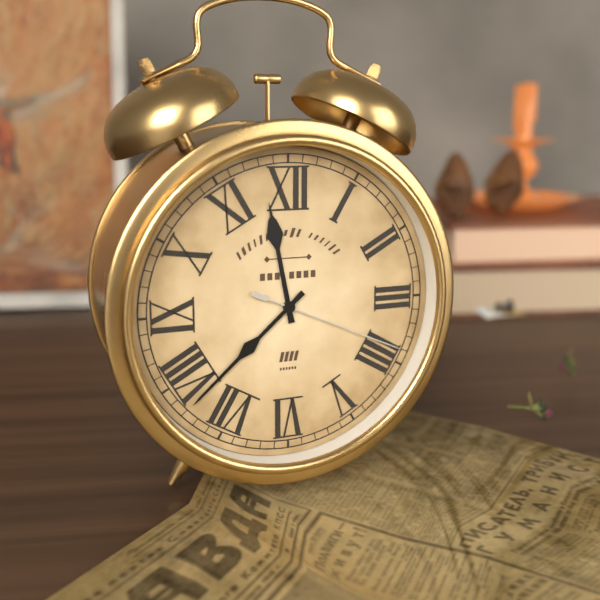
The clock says h=11 m=38 s=19
